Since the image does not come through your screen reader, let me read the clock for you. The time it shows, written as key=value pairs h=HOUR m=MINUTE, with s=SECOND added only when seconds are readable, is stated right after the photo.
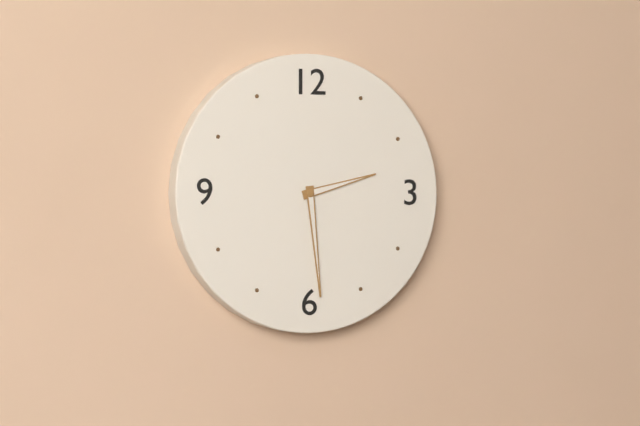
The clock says h=2 m=29
